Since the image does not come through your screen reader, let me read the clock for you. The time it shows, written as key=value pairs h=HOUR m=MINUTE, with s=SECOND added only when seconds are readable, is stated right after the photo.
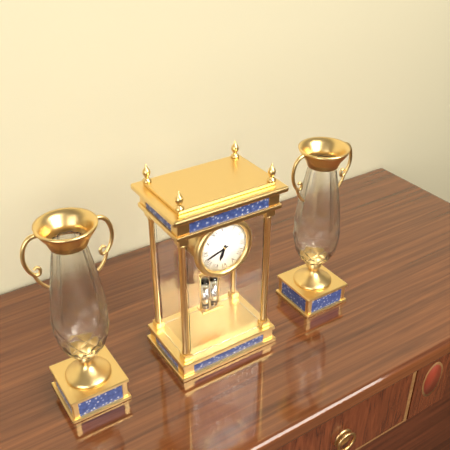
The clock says h=6 m=42
